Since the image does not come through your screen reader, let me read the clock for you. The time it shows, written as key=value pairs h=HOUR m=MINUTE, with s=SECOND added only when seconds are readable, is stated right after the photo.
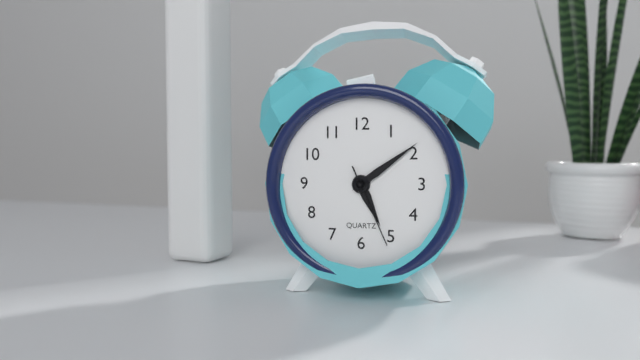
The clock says h=5 m=9 s=26
